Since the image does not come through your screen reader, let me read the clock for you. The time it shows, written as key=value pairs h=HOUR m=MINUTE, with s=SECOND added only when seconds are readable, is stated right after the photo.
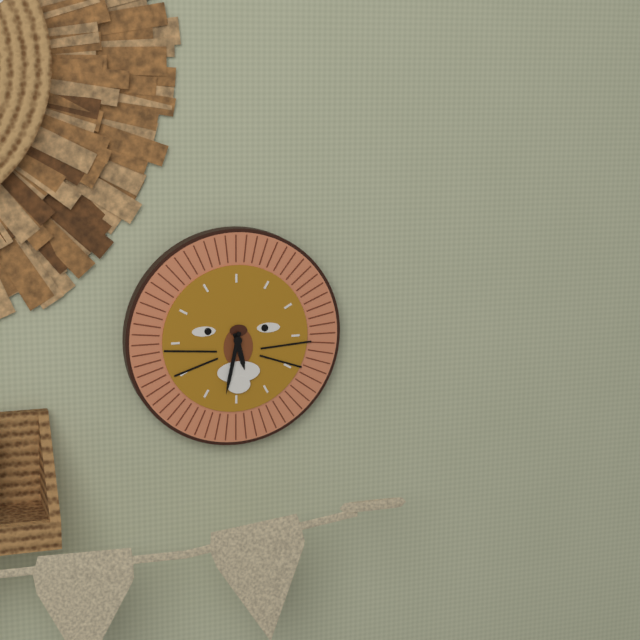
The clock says h=5 m=32
